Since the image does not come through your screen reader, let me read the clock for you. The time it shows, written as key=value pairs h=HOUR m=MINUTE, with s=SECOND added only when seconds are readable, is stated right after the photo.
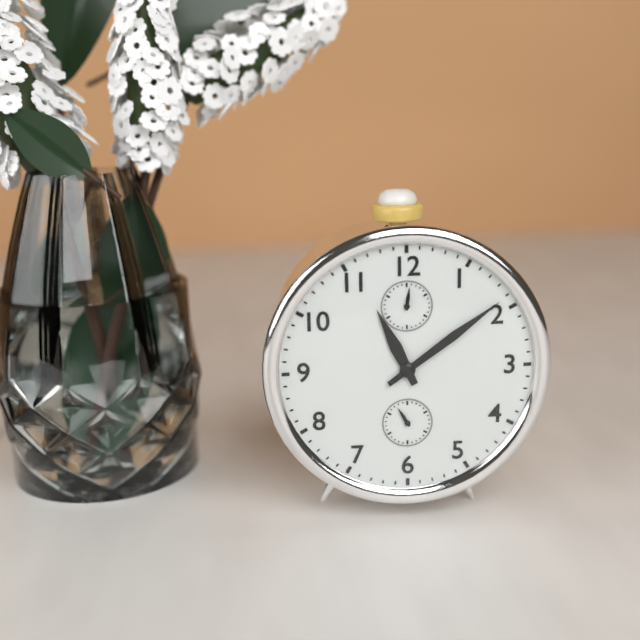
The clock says h=11 m=9
